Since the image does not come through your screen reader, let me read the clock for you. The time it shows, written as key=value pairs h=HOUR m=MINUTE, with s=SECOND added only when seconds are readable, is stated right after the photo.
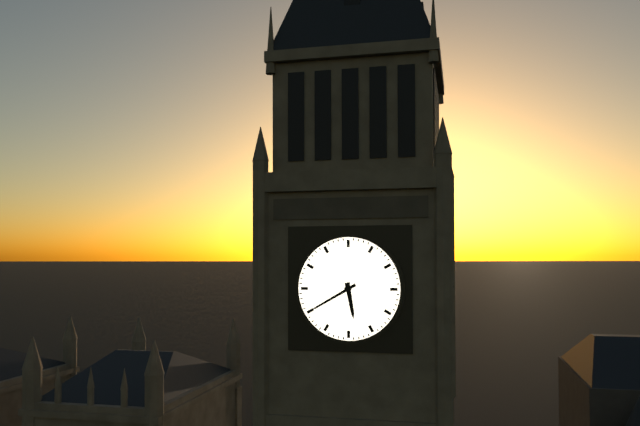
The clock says h=5 m=40
